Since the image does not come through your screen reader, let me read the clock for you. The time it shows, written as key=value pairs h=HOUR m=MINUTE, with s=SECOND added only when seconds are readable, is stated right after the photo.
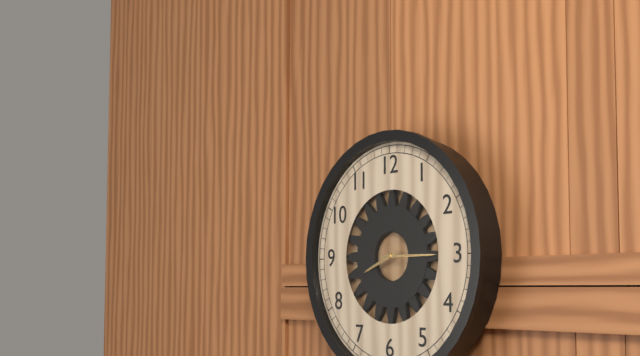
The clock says h=8 m=15
